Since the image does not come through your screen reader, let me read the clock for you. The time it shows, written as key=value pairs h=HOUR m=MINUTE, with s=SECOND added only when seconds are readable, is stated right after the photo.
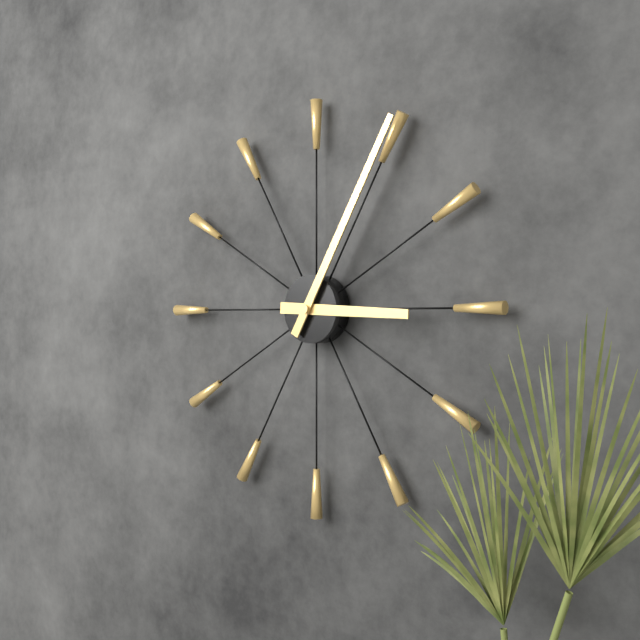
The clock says h=3 m=5
